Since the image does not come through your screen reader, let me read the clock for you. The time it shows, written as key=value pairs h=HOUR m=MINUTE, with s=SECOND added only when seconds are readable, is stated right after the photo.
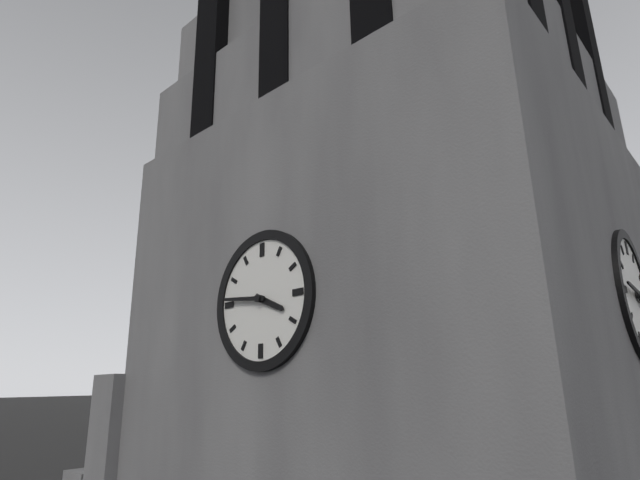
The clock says h=3 m=46
